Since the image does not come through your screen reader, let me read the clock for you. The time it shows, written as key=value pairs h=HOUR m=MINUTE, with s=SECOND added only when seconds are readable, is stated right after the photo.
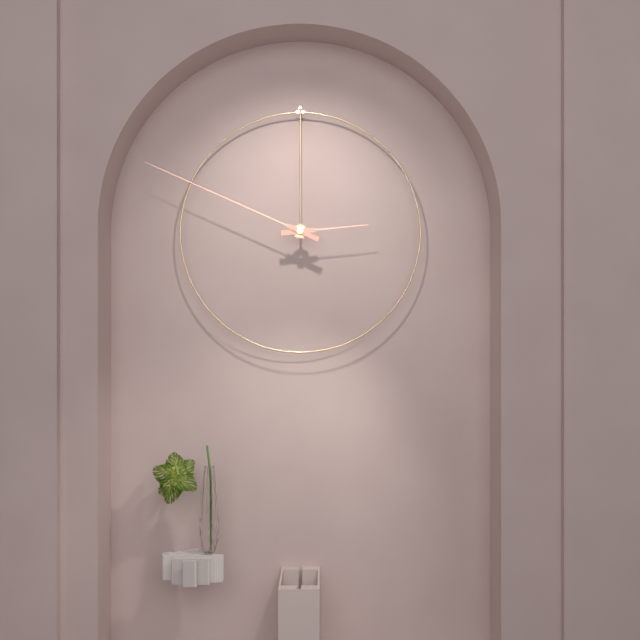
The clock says h=2 m=49
